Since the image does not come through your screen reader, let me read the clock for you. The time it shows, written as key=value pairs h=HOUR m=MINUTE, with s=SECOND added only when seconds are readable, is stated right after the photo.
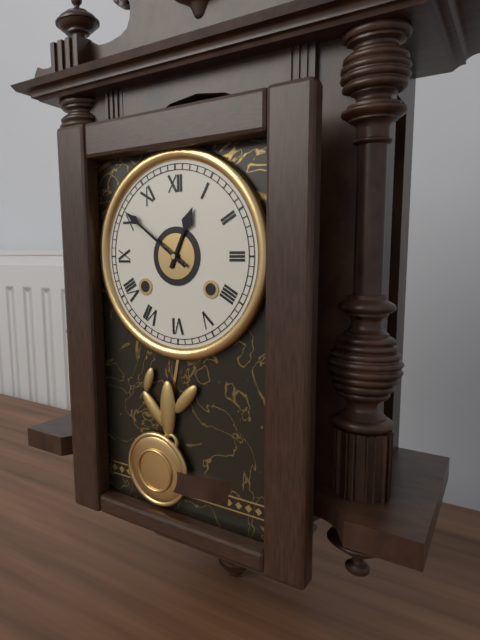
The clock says h=12 m=51
